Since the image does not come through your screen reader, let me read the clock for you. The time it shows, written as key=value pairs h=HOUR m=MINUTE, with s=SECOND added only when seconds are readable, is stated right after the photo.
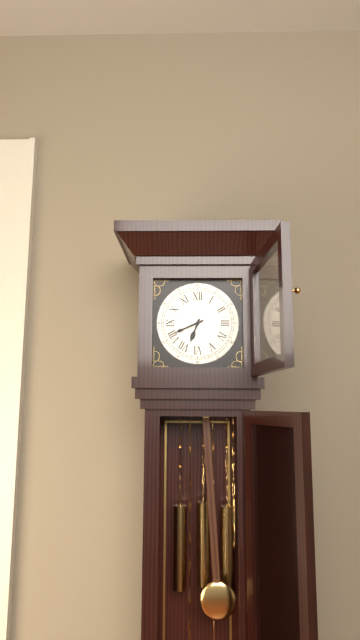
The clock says h=6 m=41
